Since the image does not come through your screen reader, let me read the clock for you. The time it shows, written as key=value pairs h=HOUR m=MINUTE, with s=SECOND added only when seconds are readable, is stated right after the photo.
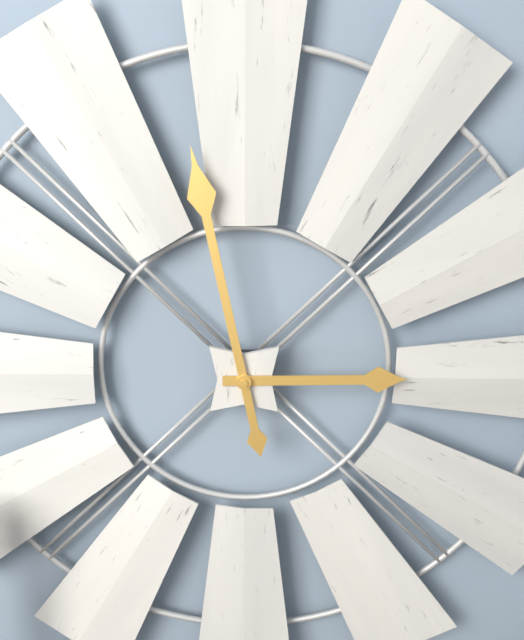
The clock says h=2 m=58
